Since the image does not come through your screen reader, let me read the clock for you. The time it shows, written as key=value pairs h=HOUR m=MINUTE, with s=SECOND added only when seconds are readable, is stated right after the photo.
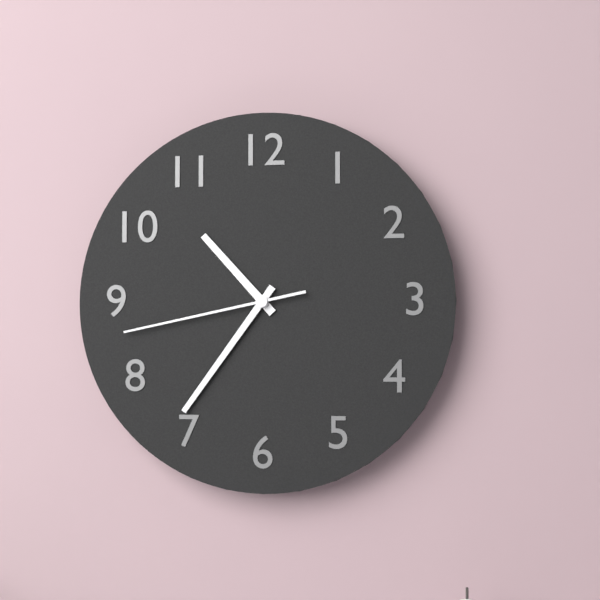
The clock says h=10 m=36 s=43
